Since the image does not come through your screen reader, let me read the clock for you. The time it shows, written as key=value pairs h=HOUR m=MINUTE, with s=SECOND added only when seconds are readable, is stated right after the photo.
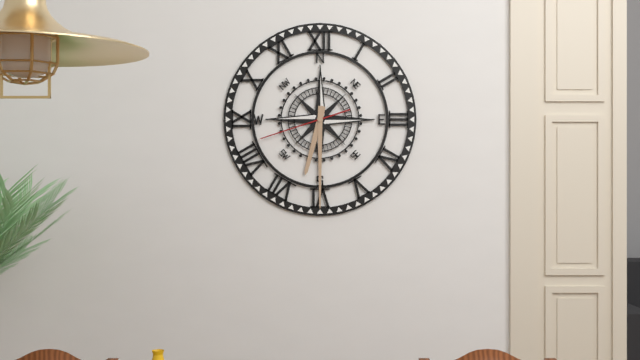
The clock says h=6 m=30 s=42
